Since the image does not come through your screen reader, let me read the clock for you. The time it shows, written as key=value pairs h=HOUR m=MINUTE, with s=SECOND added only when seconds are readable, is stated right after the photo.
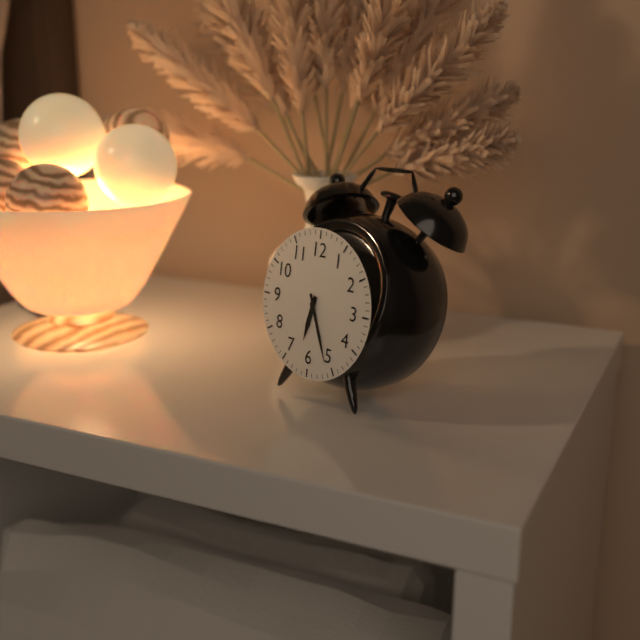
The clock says h=6 m=26
